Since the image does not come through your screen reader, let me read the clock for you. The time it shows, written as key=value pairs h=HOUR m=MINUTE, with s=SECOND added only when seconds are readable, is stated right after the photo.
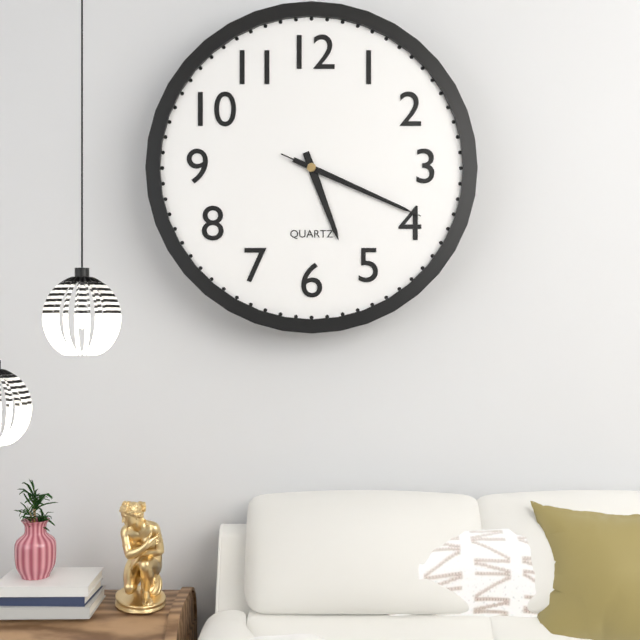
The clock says h=5 m=19 s=19
